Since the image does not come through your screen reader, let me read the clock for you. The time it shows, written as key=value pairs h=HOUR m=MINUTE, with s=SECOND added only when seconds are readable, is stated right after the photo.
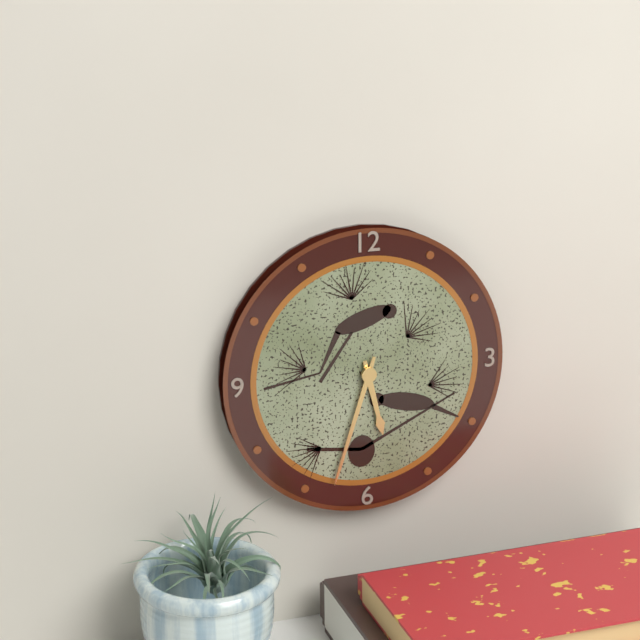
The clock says h=5 m=33
